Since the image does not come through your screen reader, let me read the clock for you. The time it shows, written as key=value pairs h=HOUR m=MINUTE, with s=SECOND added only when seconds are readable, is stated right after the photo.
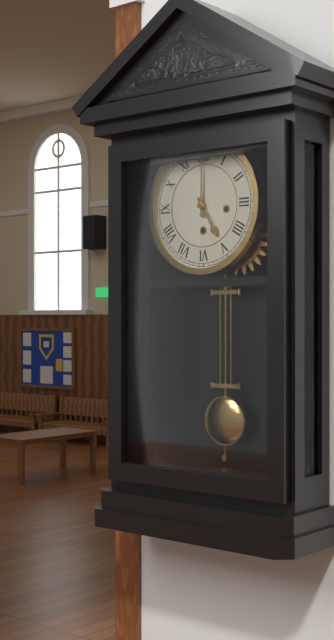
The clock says h=5 m=0
